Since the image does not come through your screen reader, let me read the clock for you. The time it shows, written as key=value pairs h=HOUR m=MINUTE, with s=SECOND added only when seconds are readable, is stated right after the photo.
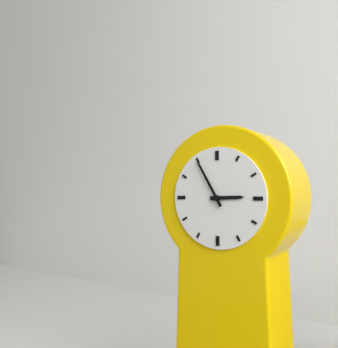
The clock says h=2 m=55
